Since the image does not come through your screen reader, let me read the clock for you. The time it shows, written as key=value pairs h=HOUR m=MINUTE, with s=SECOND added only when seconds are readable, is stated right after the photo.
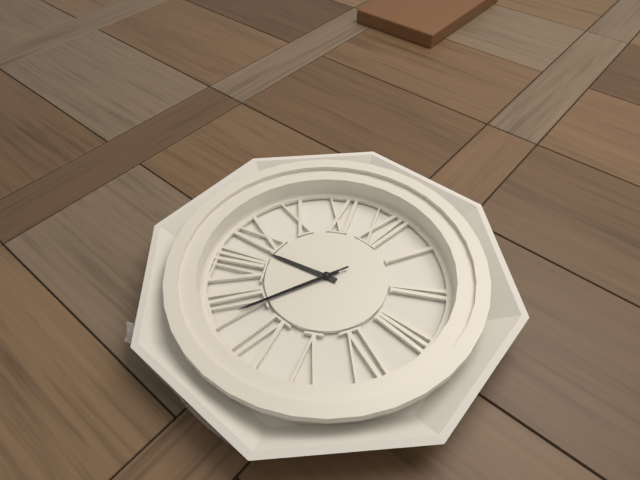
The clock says h=8 m=34 s=34
